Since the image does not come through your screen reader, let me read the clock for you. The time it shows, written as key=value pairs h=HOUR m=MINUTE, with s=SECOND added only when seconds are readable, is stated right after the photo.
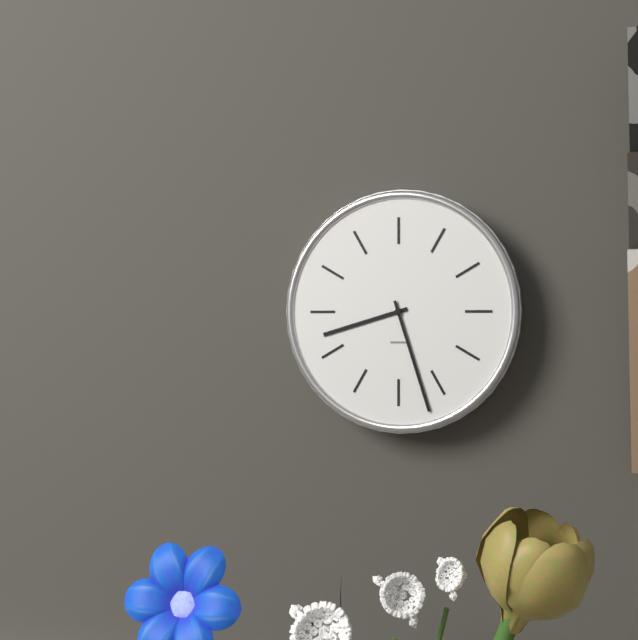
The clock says h=8 m=27
